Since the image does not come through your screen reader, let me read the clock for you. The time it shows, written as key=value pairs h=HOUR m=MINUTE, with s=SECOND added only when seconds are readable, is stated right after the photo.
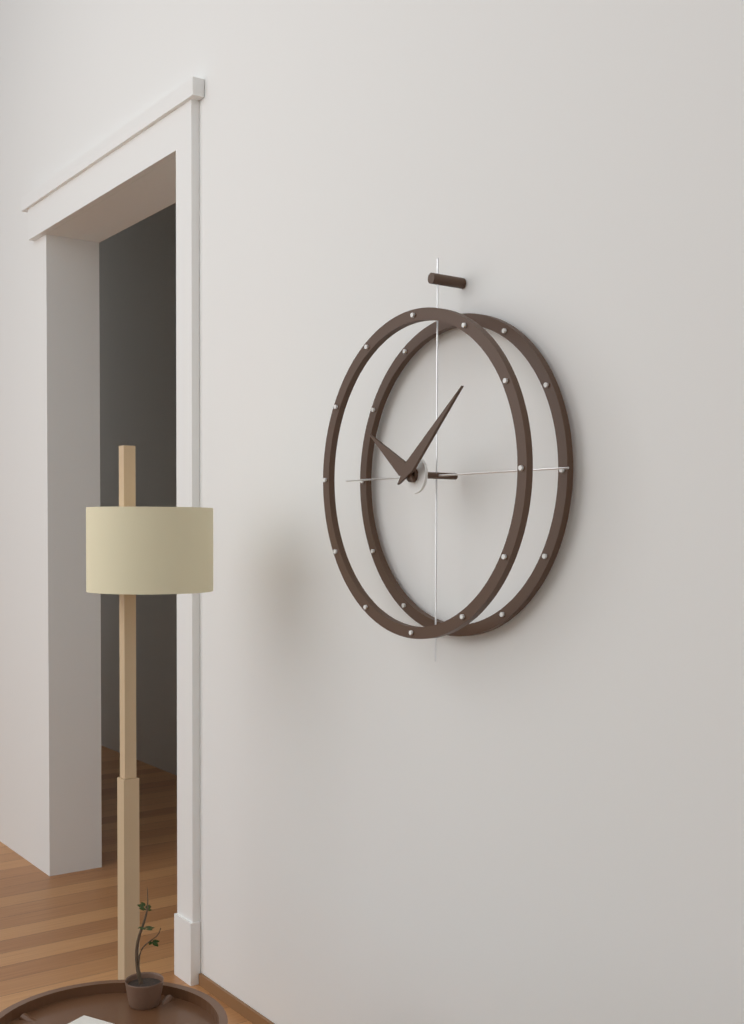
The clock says h=10 m=8
